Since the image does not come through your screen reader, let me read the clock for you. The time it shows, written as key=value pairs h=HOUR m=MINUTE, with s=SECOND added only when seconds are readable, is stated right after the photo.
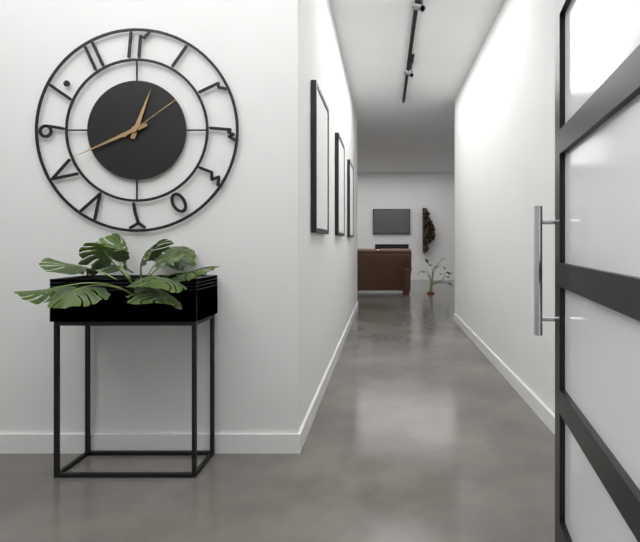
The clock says h=12 m=41 s=9
